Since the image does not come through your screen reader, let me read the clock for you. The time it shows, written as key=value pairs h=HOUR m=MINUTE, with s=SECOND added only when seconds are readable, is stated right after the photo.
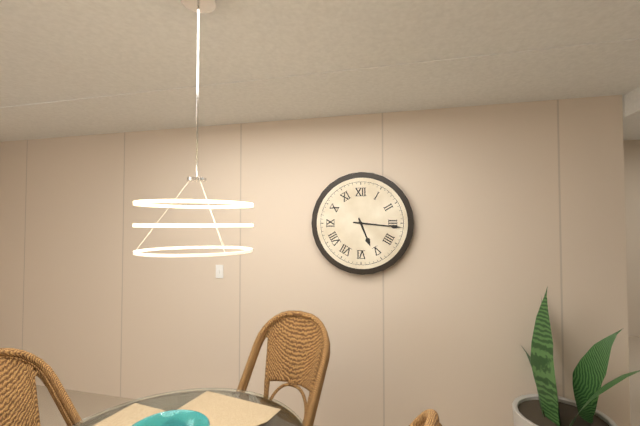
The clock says h=5 m=16
